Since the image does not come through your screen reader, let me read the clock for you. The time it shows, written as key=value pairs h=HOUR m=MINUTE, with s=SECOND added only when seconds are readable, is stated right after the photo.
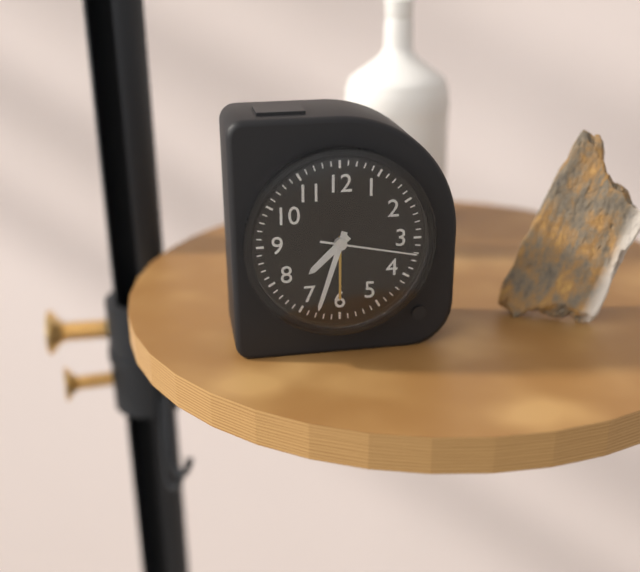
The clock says h=7 m=33 s=17
